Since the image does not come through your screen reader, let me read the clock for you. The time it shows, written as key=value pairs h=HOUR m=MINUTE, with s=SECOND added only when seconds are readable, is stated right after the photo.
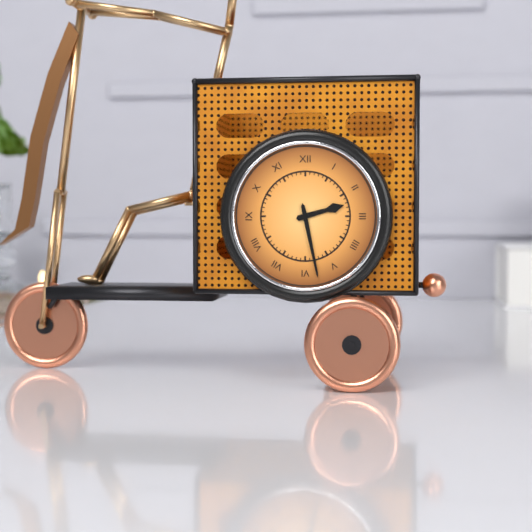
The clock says h=2 m=28
